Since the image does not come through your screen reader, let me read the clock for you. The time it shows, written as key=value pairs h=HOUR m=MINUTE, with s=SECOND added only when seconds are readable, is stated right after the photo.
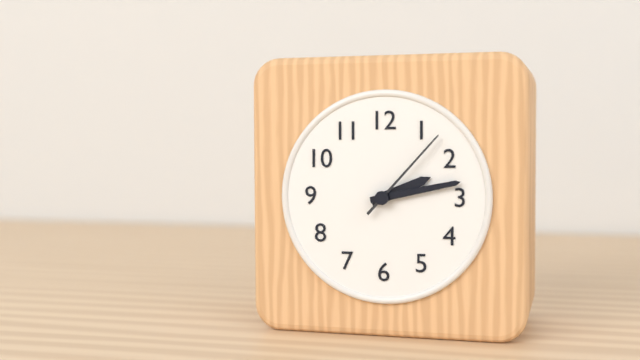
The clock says h=2 m=13 s=7
